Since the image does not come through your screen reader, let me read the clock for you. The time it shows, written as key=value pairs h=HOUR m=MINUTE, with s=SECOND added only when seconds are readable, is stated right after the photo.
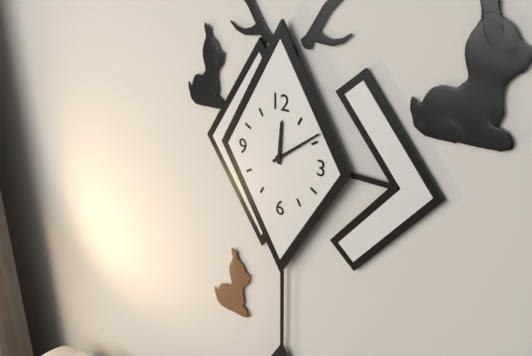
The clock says h=12 m=9
